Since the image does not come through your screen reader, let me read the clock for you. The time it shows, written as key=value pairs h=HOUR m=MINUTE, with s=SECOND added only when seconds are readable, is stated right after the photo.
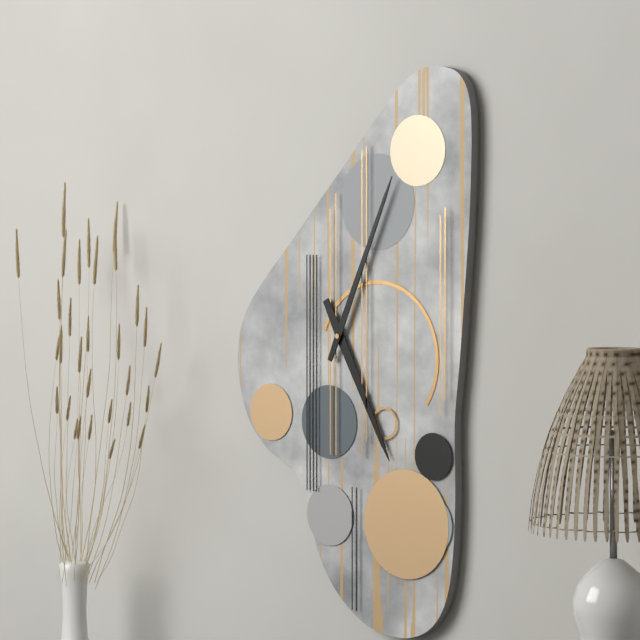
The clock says h=5 m=4
